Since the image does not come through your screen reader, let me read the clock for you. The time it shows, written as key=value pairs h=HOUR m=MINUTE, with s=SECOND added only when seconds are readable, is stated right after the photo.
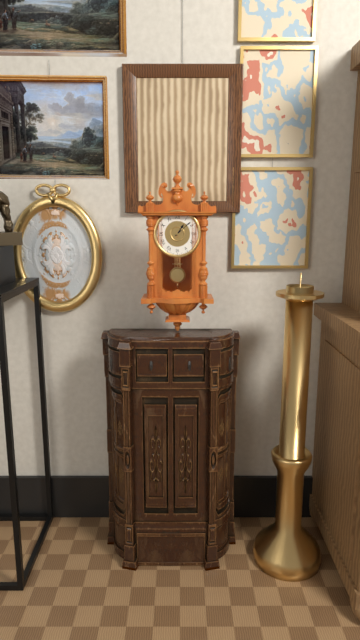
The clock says h=1 m=8
